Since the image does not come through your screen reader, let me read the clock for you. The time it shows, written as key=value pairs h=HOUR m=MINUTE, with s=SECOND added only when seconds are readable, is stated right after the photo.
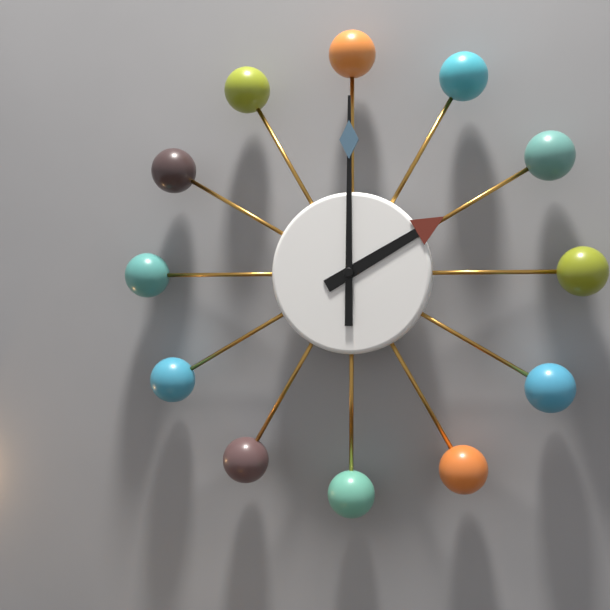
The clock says h=2 m=0
